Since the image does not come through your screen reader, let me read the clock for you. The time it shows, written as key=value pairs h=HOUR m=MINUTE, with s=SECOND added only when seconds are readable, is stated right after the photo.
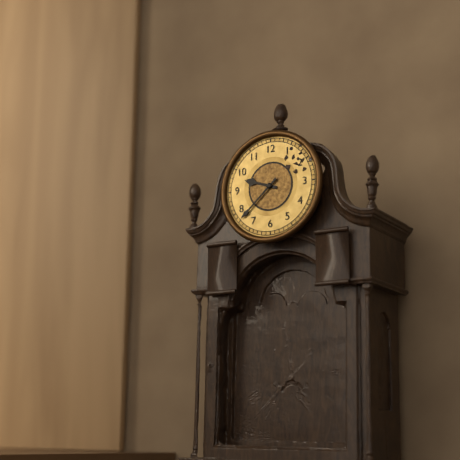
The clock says h=9 m=38
